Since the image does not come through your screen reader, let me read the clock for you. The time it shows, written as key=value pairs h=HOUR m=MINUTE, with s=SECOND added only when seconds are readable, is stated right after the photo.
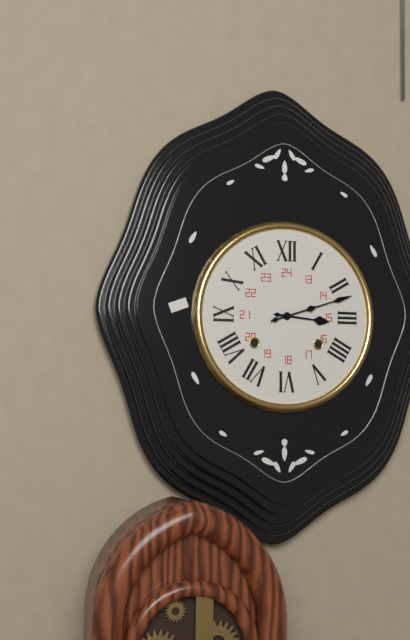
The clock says h=3 m=12
